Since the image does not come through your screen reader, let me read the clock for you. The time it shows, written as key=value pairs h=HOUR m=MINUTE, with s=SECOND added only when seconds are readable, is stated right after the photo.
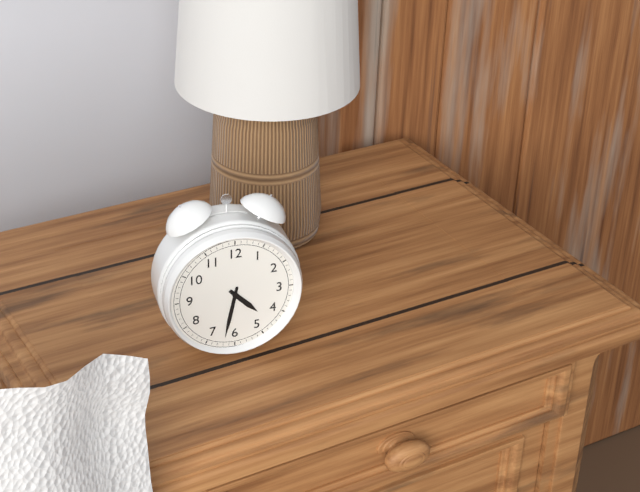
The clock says h=4 m=32
